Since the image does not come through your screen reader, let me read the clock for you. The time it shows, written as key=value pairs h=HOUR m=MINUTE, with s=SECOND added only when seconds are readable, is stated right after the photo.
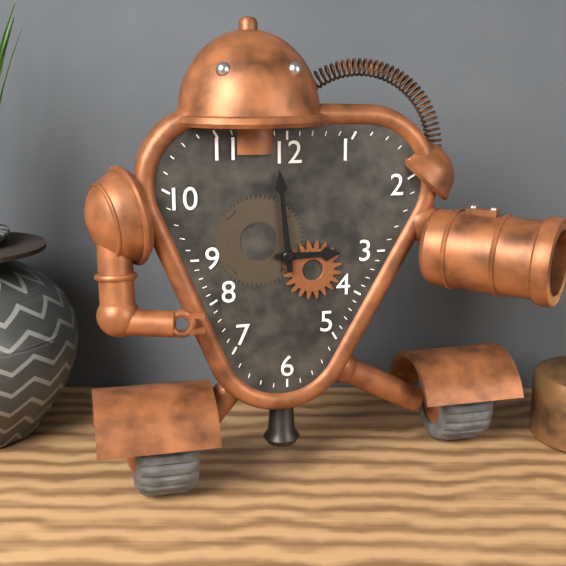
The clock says h=2 m=59
